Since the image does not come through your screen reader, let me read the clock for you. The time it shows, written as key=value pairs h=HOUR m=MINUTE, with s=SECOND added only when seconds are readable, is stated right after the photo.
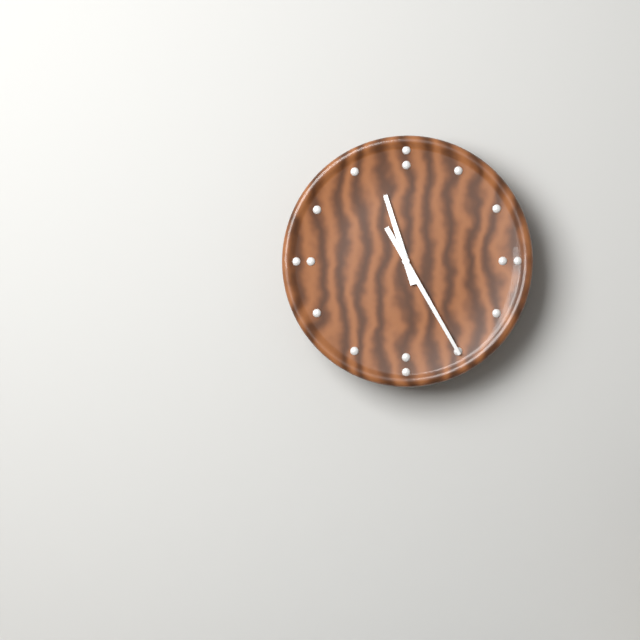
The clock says h=11 m=25
